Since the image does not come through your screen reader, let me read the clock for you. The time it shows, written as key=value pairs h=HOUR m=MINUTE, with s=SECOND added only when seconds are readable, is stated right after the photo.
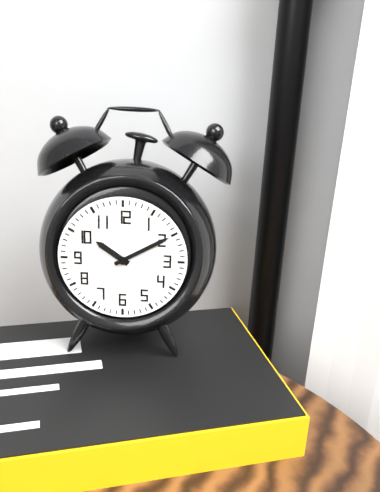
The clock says h=10 m=10
